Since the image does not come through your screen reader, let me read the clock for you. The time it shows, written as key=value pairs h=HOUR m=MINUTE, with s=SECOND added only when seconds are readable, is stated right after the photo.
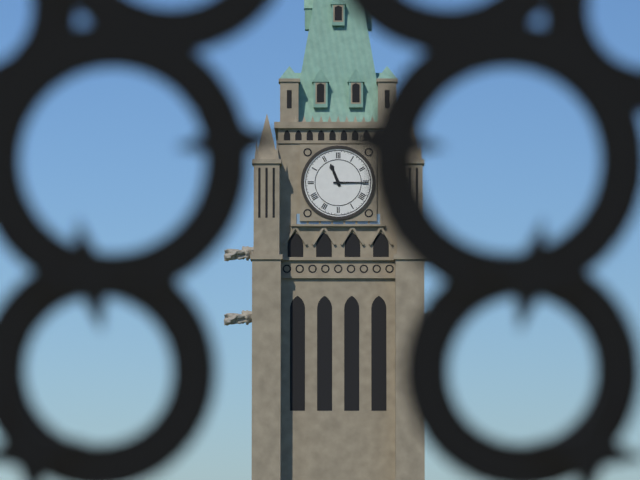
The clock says h=11 m=15
